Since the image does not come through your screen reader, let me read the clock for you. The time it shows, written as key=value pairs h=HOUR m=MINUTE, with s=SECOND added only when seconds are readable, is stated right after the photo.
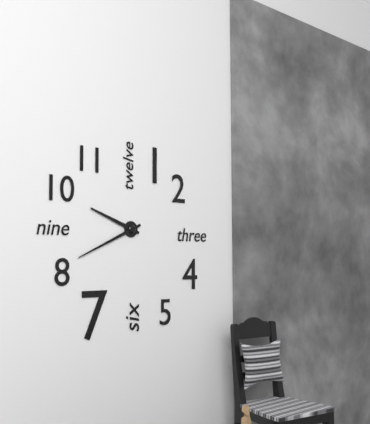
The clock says h=9 m=41
